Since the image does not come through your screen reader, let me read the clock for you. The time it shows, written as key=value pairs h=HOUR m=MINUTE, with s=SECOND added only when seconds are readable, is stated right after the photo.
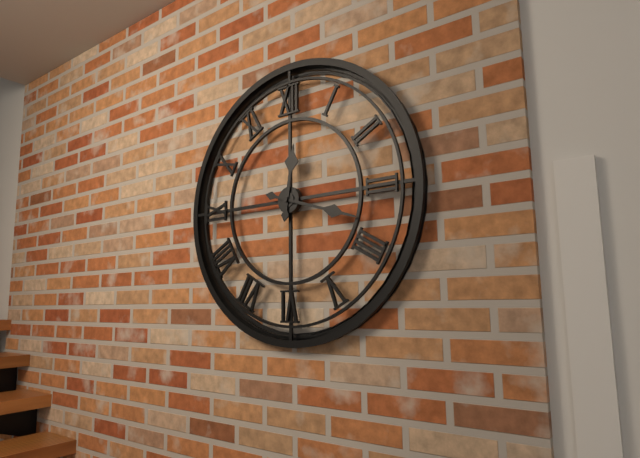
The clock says h=12 m=18
